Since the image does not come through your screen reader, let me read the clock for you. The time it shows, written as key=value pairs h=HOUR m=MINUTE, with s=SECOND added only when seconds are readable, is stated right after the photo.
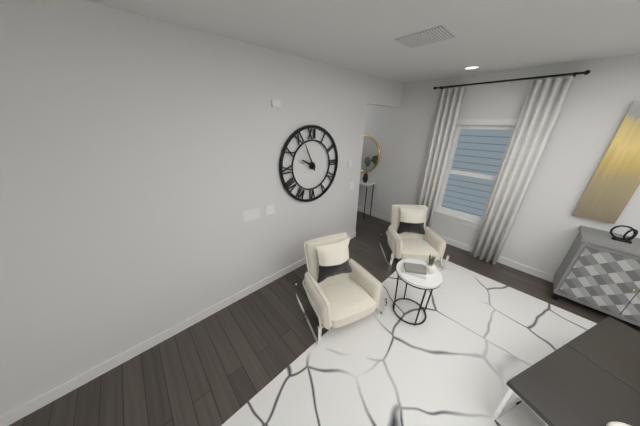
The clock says h=9 m=56
